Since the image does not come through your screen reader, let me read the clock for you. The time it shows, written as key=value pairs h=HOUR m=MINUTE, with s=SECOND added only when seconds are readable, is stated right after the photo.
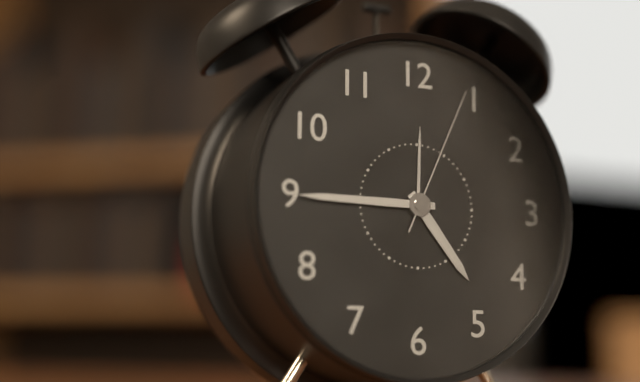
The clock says h=4 m=45 s=4
